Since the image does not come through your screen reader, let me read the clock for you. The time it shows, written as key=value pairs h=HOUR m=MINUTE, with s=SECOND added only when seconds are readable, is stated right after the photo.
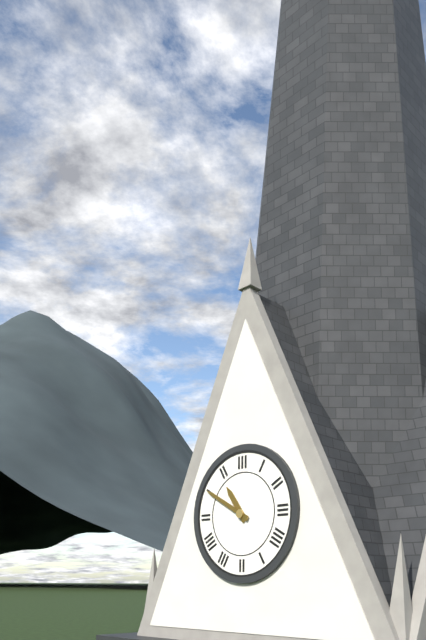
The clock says h=10 m=50
